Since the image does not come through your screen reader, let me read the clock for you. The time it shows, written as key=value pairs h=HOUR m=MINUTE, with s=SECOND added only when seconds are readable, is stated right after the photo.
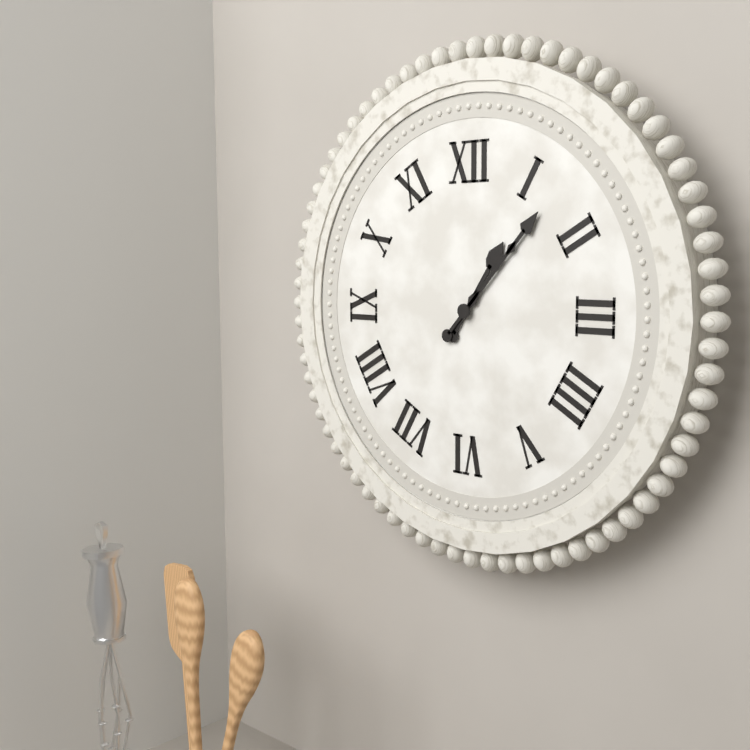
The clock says h=1 m=7
